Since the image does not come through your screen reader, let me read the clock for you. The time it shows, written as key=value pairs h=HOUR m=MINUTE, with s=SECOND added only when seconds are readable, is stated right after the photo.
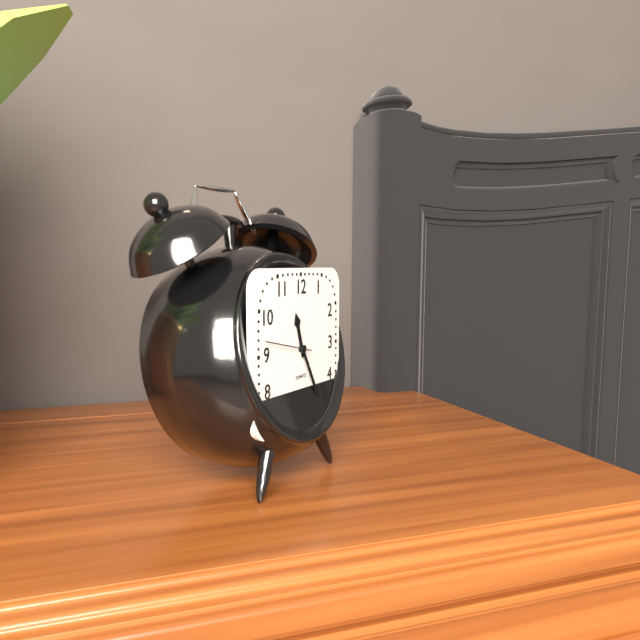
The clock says h=11 m=25
